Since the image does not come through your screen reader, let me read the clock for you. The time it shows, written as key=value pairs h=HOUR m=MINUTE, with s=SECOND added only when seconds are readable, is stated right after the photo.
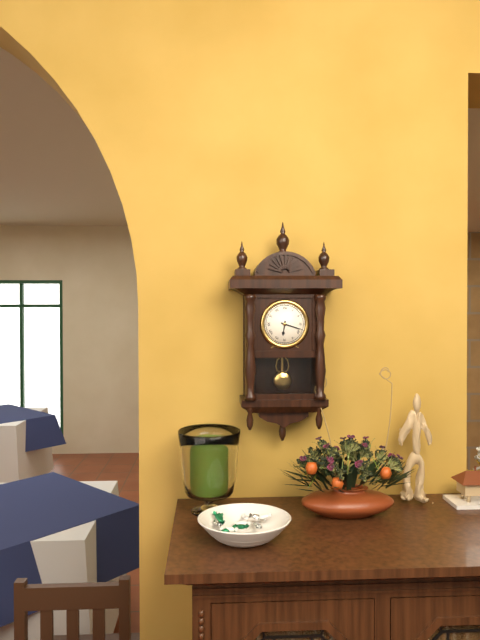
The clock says h=6 m=18
